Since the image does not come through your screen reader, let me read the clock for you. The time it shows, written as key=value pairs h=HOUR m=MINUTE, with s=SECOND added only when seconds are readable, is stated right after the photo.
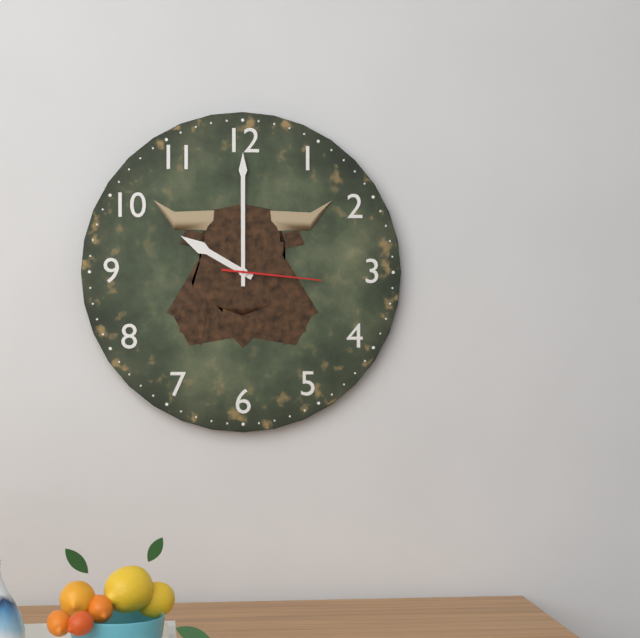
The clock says h=10 m=0 s=16
